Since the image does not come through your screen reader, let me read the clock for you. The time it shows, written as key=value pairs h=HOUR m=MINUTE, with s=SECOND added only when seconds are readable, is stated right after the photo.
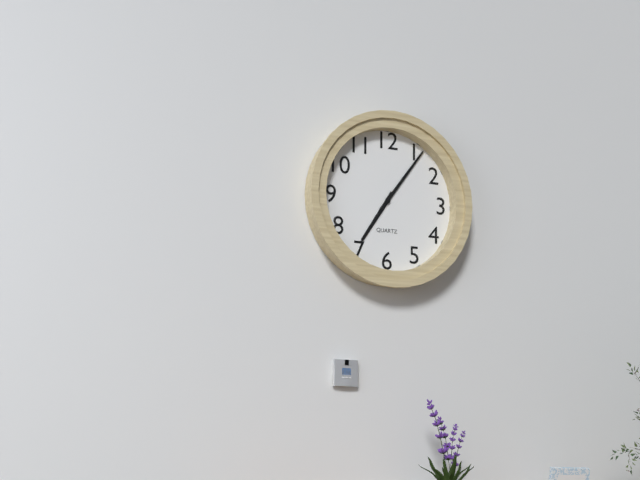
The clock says h=7 m=6
